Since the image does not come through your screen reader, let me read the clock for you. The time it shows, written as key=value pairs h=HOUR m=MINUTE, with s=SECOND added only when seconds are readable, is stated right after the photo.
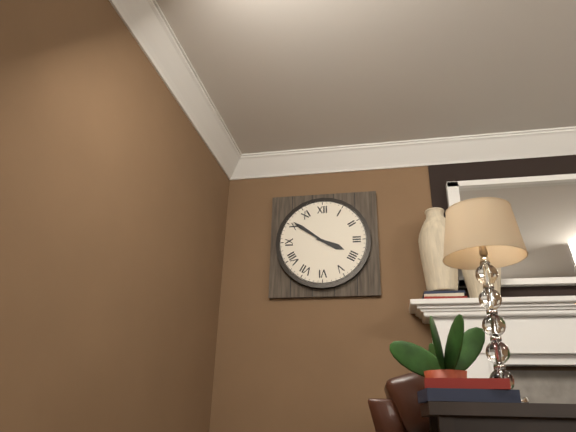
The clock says h=3 m=51
